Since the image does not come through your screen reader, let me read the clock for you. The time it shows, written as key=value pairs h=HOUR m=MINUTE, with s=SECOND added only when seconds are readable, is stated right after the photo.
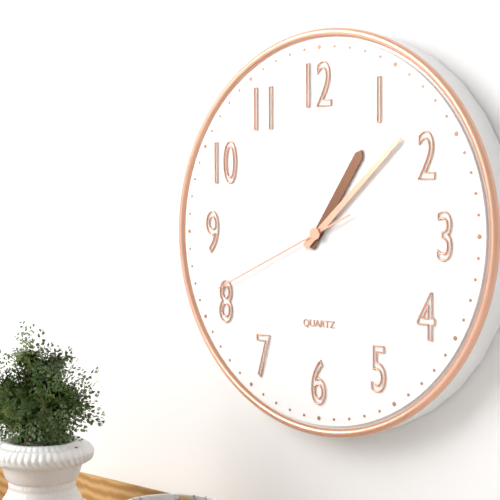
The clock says h=1 m=8 s=41
